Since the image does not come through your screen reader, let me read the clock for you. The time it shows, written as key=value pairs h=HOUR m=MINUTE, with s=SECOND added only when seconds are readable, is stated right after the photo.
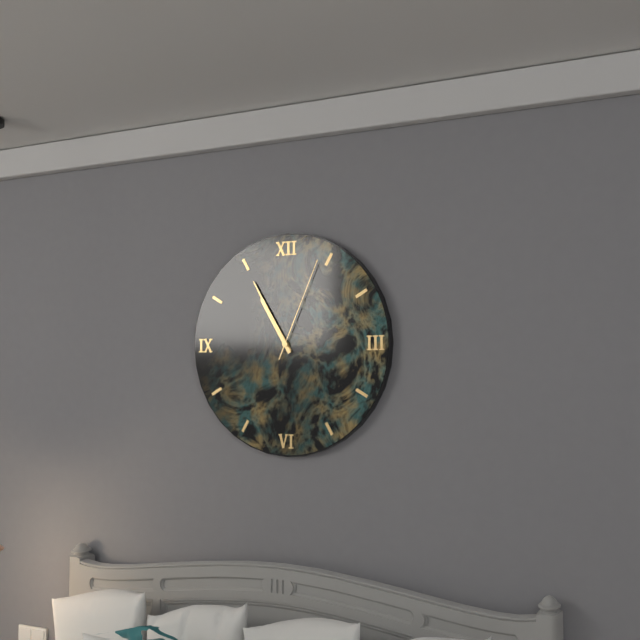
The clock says h=10 m=55 s=4
